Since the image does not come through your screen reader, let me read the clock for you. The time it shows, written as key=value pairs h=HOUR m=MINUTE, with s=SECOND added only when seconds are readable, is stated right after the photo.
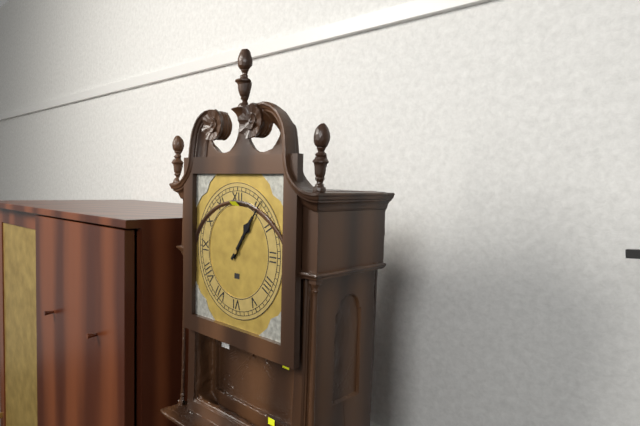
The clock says h=1 m=6
